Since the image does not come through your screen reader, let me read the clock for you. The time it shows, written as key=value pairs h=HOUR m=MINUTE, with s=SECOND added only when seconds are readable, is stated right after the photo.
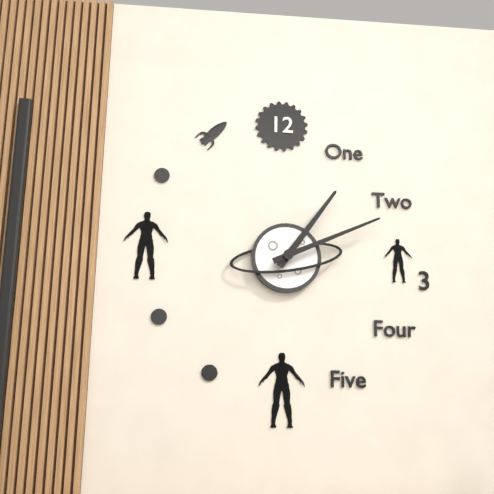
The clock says h=1 m=11
